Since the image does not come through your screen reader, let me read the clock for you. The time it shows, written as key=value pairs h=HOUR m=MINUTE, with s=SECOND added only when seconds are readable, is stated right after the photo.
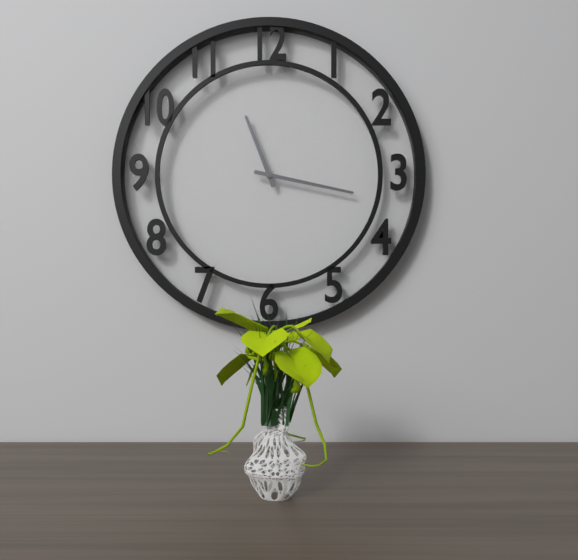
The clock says h=11 m=17
